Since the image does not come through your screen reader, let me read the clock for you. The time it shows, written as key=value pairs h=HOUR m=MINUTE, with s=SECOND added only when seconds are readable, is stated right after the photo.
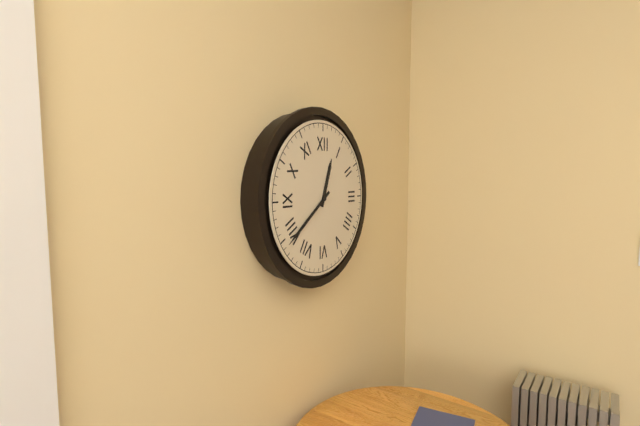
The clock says h=12 m=39
